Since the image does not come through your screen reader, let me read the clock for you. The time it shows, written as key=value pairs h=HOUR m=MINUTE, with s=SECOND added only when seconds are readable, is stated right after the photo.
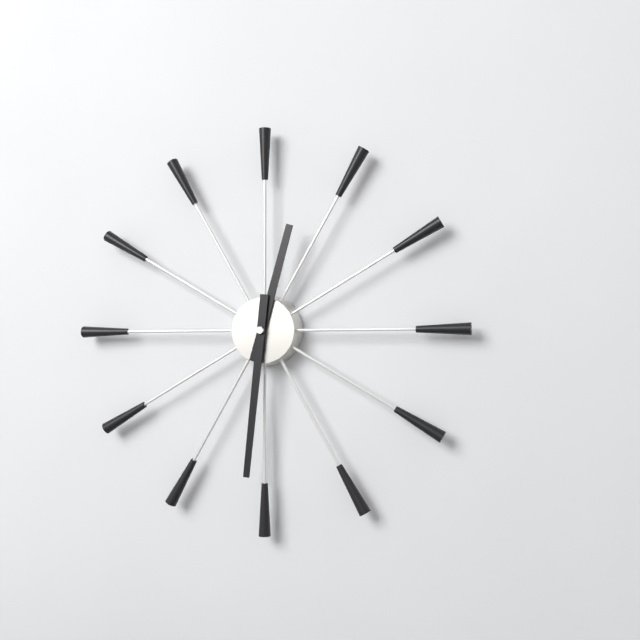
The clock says h=12 m=31
